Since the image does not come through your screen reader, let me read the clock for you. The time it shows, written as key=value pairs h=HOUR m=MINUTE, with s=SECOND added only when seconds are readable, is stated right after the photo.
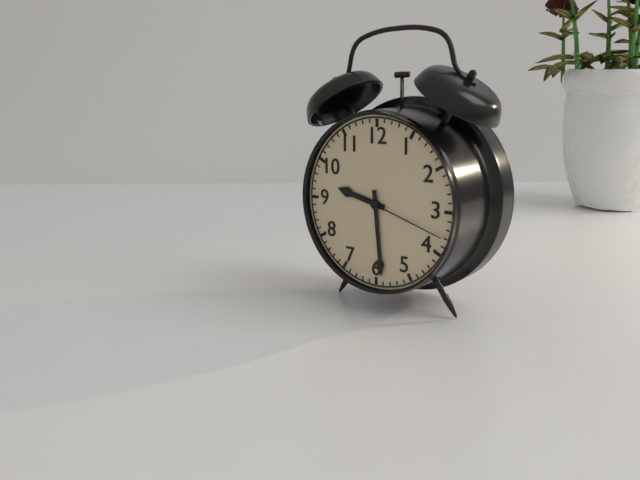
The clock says h=9 m=29 s=18
